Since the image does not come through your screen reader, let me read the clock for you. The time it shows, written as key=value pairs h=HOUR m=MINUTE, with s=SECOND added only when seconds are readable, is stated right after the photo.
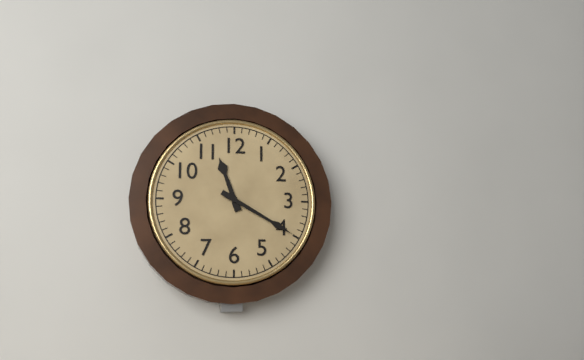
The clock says h=11 m=20
